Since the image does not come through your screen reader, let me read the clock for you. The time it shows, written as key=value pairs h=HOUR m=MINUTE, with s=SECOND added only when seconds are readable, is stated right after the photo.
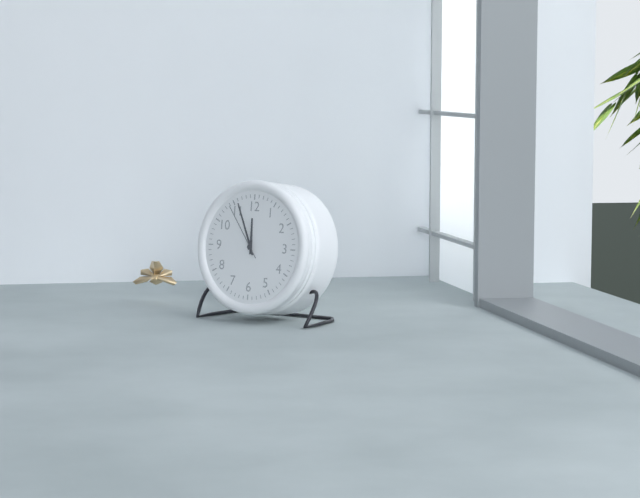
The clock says h=11 m=56 s=54
